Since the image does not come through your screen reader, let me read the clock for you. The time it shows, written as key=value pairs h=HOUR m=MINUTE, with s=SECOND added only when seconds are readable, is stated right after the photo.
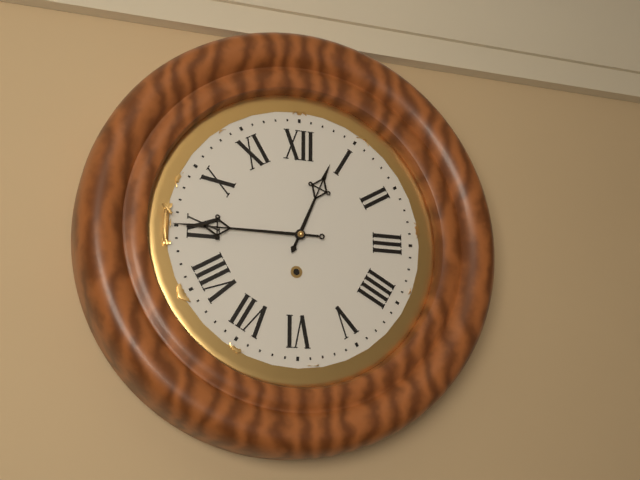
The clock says h=12 m=45
